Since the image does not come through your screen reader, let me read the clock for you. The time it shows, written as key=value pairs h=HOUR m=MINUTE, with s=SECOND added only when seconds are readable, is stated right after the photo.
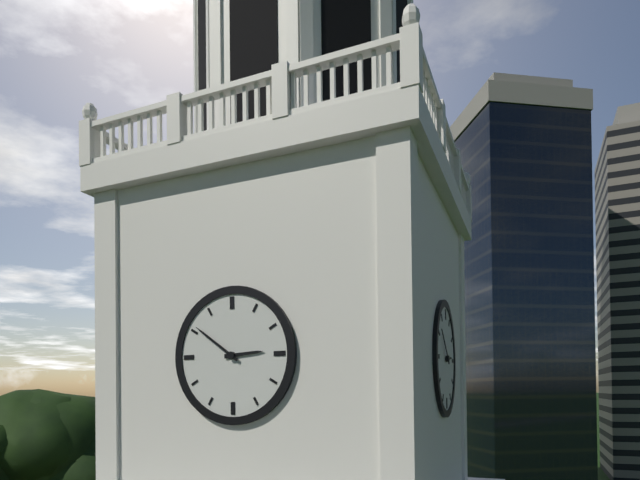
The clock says h=2 m=51
